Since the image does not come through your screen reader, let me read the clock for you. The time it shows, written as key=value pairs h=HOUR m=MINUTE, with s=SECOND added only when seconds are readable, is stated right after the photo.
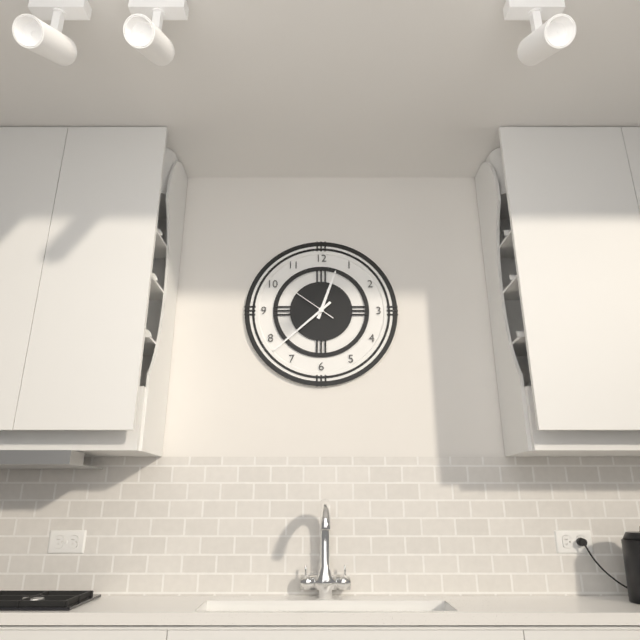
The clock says h=12 m=38 s=51
